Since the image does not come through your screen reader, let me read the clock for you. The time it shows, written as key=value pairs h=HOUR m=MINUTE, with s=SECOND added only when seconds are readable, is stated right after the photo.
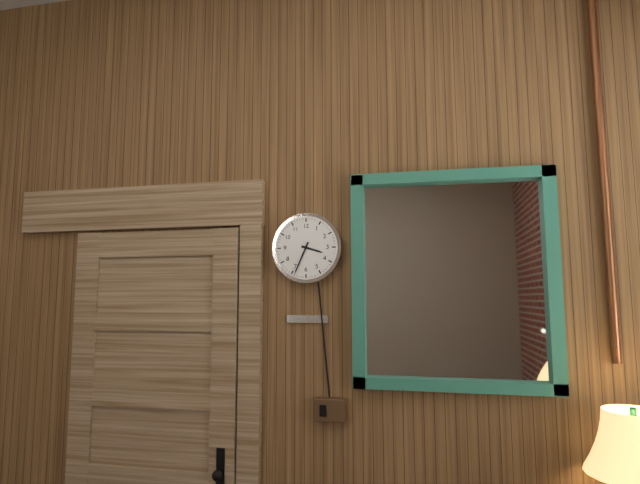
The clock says h=3 m=34
